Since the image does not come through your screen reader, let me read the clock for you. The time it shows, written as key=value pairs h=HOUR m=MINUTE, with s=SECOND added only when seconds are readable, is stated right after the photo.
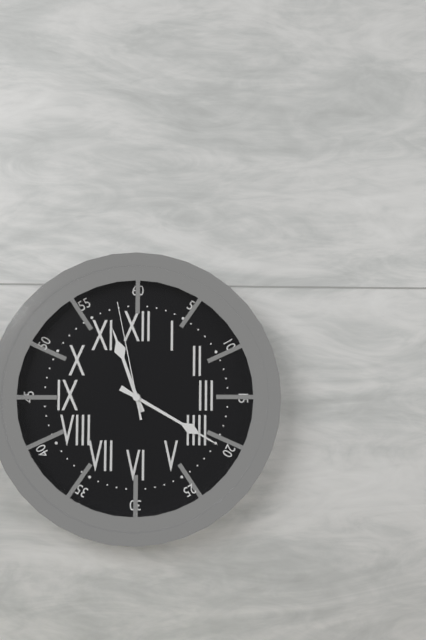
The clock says h=11 m=20 s=58
